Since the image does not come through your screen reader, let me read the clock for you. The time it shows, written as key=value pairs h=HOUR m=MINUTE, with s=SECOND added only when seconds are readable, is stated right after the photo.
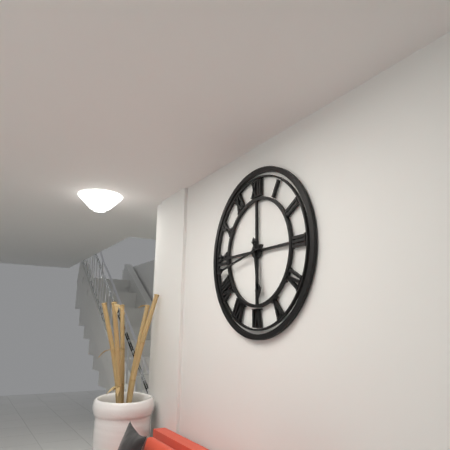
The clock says h=5 m=43
